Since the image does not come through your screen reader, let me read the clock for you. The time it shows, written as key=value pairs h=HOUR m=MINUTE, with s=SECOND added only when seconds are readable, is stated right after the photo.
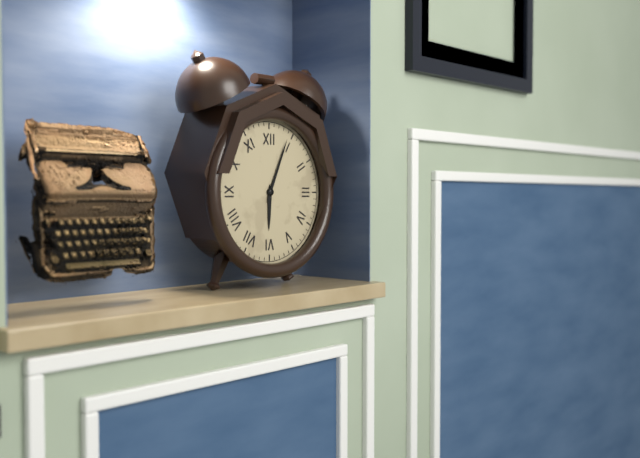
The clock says h=6 m=4
